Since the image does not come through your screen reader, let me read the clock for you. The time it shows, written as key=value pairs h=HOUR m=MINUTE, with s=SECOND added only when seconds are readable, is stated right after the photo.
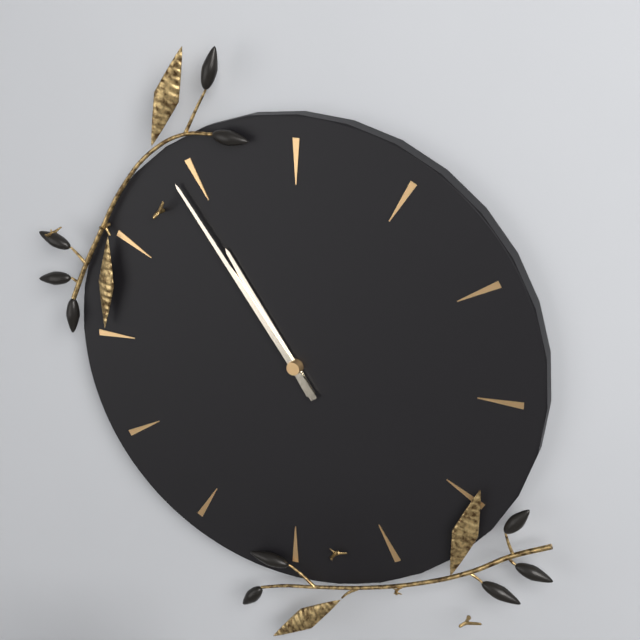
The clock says h=10 m=54
